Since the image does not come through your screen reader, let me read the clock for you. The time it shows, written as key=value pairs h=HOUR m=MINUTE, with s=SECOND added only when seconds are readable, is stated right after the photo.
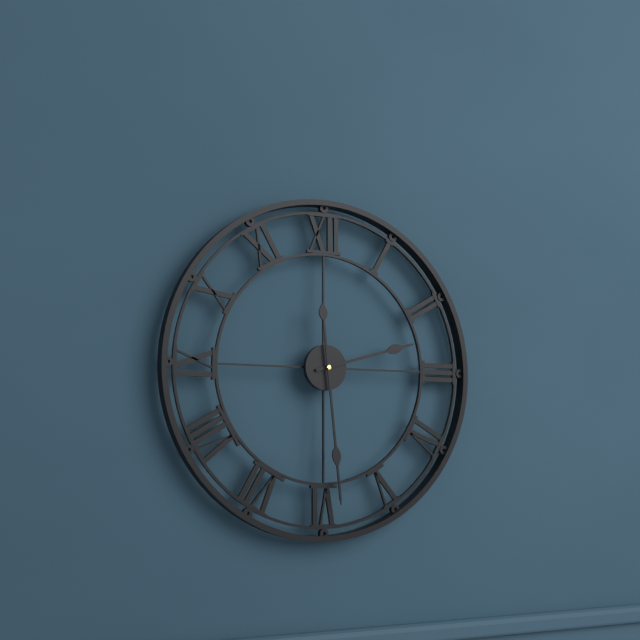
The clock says h=2 m=29
